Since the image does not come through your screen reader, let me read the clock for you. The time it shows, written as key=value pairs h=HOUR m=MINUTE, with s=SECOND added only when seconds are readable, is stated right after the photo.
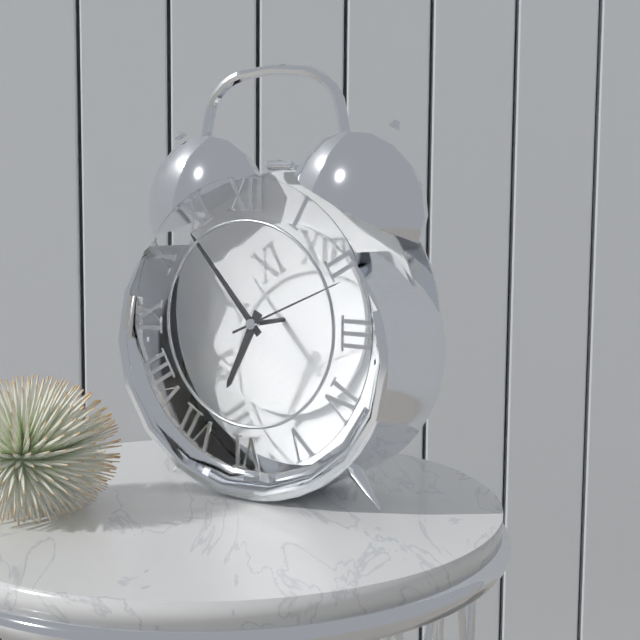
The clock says h=6 m=53 s=11
